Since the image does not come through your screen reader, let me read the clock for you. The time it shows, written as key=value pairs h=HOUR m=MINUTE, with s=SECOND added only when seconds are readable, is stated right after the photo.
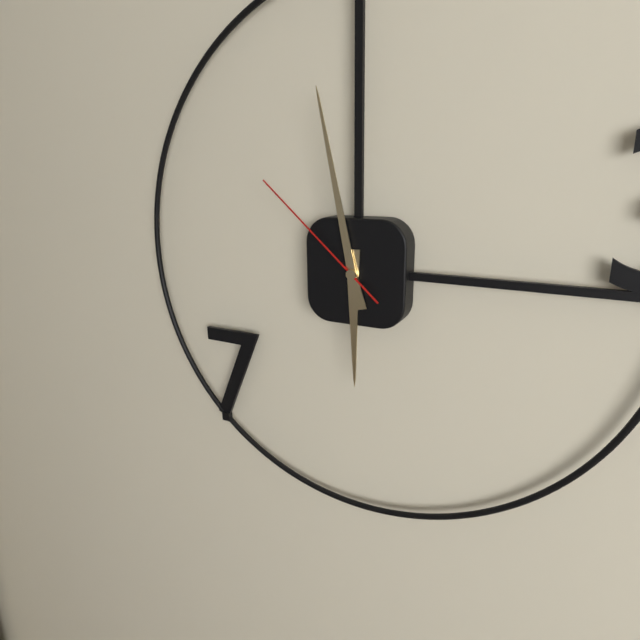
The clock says h=5 m=58 s=52
